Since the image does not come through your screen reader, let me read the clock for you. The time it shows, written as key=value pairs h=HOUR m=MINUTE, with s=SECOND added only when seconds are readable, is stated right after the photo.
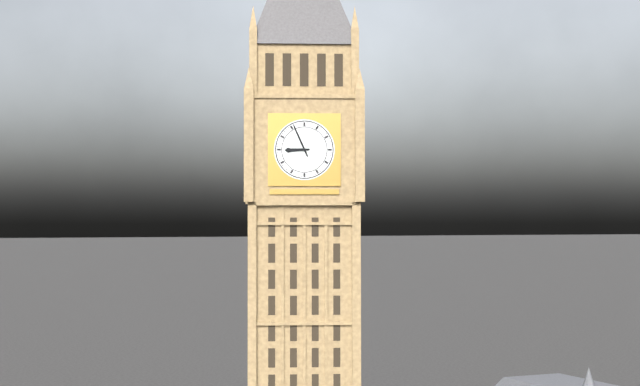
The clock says h=8 m=56
